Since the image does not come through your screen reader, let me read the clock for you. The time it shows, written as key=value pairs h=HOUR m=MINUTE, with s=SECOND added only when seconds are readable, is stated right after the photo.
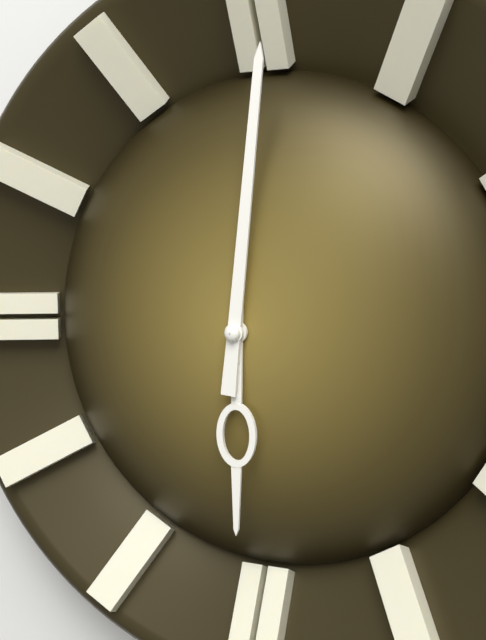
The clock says h=6 m=1
